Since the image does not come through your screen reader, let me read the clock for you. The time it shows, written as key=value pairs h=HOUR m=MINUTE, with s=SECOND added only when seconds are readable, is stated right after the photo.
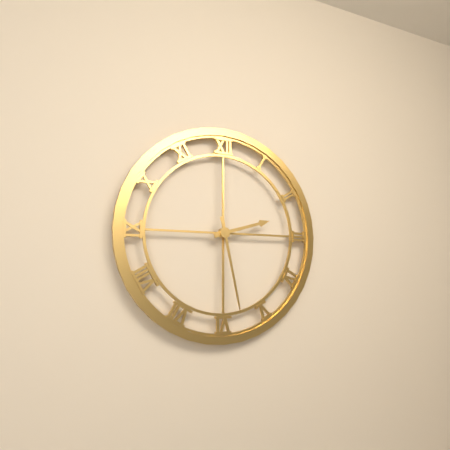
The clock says h=2 m=28
